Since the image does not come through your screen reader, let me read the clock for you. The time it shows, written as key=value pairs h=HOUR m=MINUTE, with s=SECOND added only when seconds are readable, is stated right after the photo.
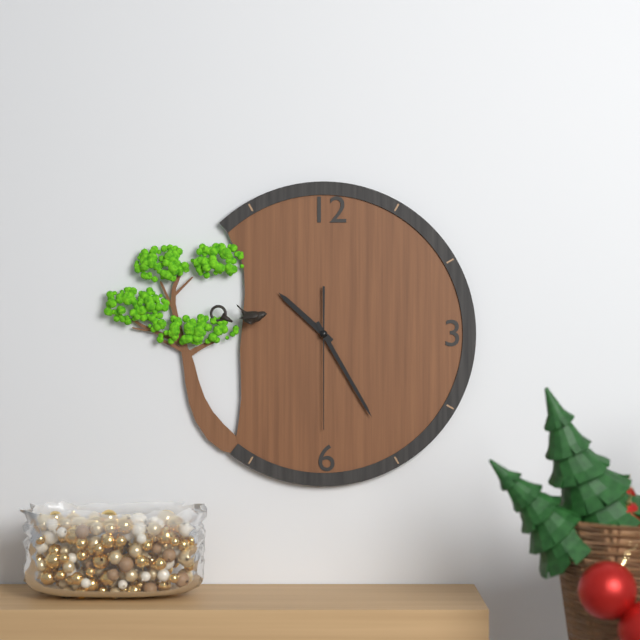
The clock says h=10 m=25 s=30
